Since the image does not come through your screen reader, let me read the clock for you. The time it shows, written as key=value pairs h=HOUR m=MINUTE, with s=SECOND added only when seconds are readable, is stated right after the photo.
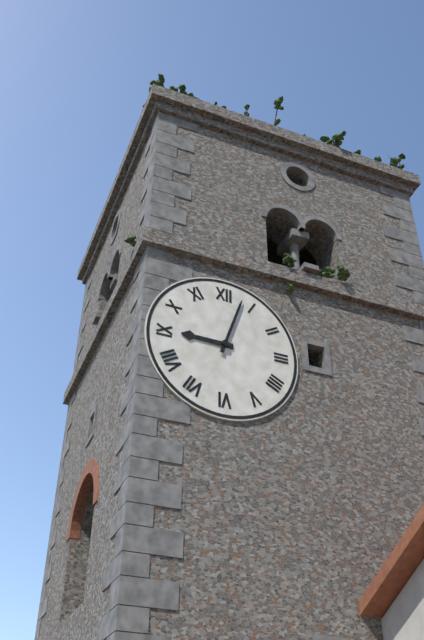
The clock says h=9 m=3
